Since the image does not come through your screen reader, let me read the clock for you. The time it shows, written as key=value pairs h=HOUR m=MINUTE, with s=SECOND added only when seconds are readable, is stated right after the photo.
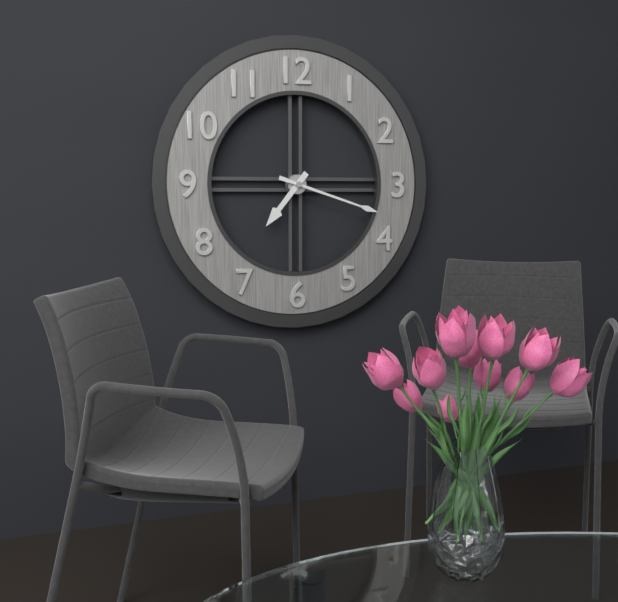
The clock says h=7 m=18
